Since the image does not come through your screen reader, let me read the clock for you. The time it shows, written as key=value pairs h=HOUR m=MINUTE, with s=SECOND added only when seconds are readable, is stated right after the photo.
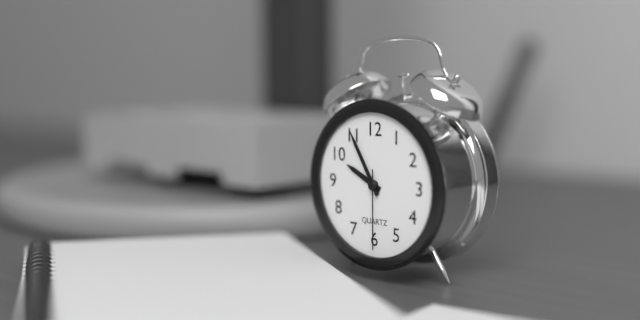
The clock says h=9 m=55 s=30
